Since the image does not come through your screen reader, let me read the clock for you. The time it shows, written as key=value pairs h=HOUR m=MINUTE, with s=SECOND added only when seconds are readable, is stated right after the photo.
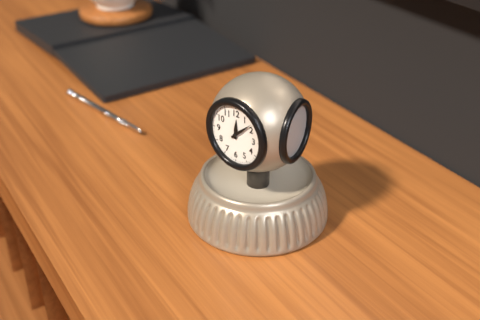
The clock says h=12 m=8
